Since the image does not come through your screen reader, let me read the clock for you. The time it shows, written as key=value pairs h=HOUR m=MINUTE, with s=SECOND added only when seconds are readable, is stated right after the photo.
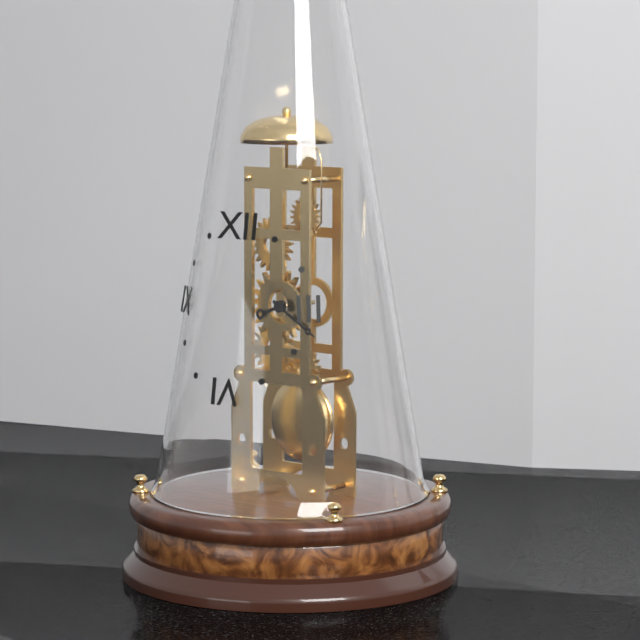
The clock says h=8 m=20
